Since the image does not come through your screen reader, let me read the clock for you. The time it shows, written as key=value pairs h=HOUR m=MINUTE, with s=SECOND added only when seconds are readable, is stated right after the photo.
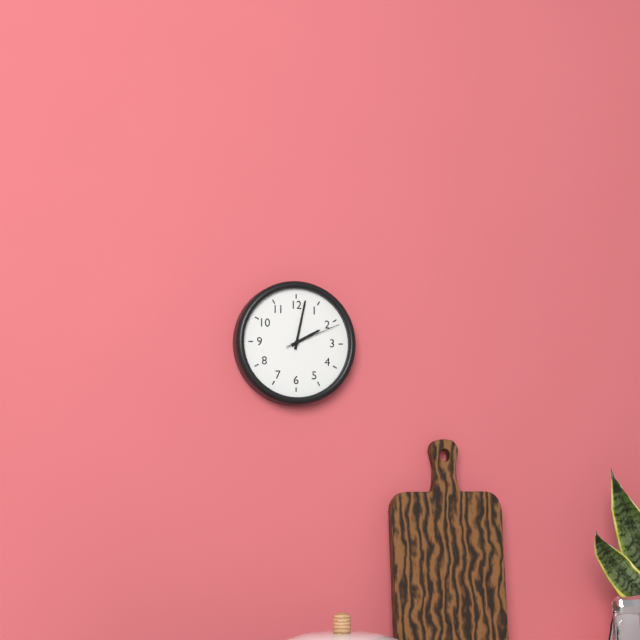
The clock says h=2 m=2 s=11
